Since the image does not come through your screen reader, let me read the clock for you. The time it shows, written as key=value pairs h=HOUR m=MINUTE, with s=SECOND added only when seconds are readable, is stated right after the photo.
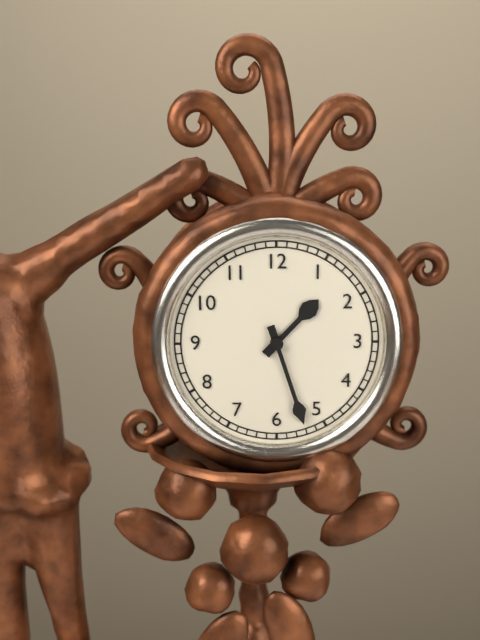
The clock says h=1 m=27
